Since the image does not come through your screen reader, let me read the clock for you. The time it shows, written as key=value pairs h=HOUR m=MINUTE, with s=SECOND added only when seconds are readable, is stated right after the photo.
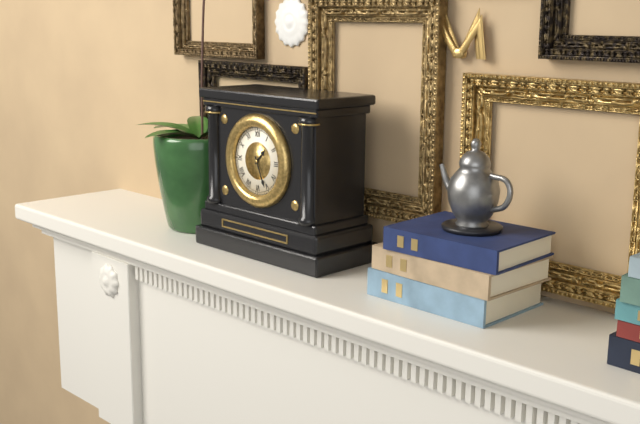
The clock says h=1 m=26
